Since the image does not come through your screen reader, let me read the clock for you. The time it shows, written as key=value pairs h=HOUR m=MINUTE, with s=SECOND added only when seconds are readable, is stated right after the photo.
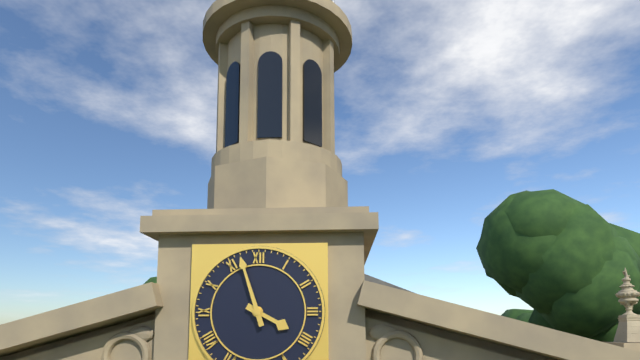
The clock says h=3 m=57
